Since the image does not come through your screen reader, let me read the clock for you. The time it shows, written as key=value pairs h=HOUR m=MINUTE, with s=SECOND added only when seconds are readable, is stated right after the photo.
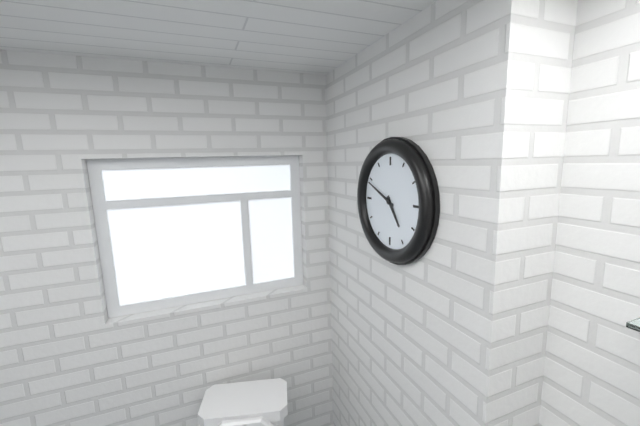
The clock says h=4 m=49
